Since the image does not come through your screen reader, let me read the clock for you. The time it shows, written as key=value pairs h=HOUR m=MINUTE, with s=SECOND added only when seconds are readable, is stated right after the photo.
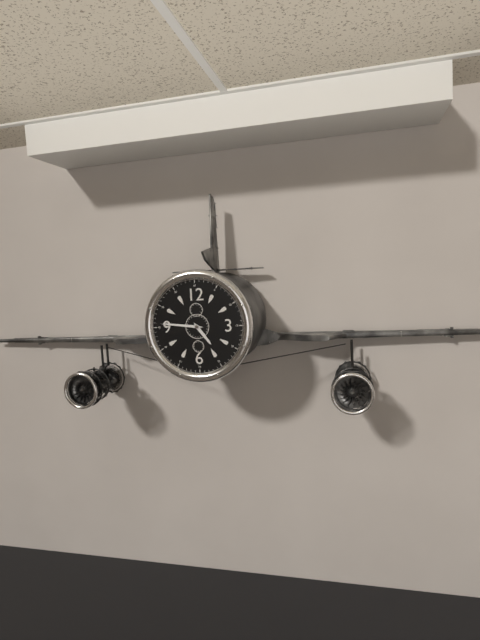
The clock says h=4 m=46
